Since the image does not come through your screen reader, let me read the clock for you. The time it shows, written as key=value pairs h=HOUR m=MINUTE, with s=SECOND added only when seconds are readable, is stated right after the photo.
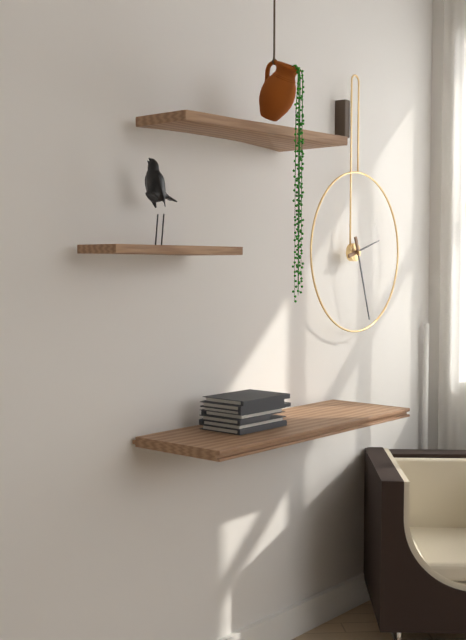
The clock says h=2 m=27
